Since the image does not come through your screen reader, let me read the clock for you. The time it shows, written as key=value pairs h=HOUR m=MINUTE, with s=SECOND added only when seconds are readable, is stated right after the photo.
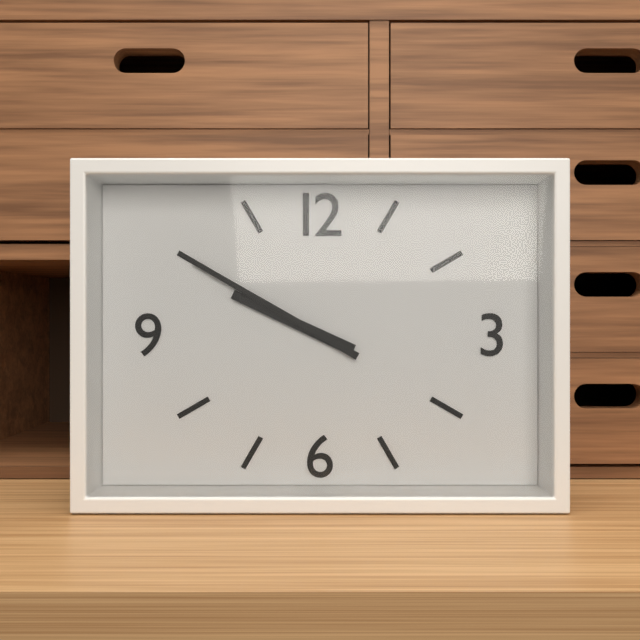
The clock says h=9 m=50
